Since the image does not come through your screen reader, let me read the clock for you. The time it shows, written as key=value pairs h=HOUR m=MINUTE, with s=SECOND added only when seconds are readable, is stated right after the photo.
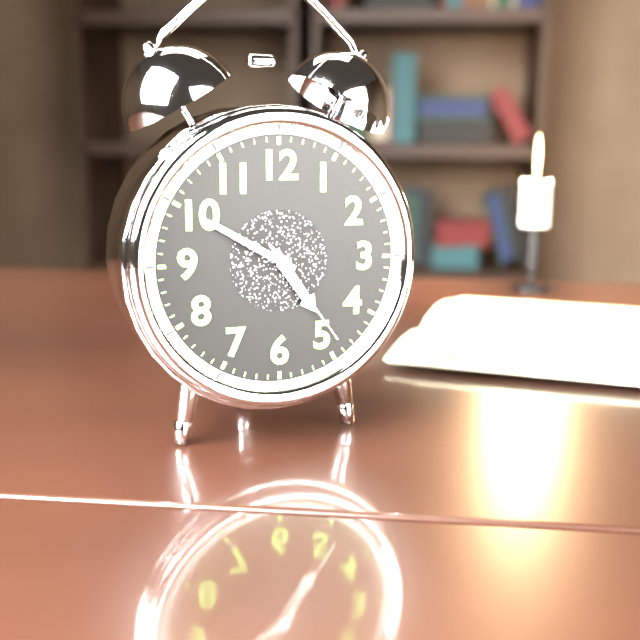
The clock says h=4 m=50 s=24
